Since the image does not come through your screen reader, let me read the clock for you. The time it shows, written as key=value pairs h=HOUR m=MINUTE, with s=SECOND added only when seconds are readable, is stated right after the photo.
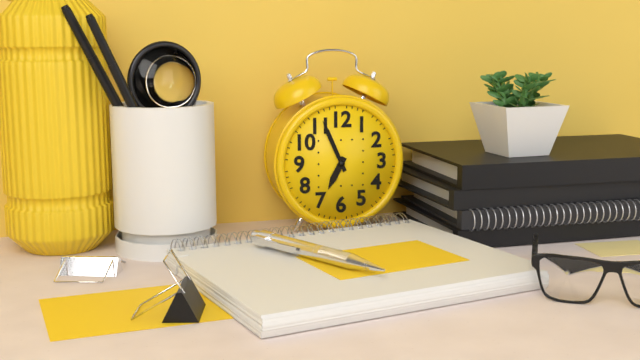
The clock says h=6 m=56
